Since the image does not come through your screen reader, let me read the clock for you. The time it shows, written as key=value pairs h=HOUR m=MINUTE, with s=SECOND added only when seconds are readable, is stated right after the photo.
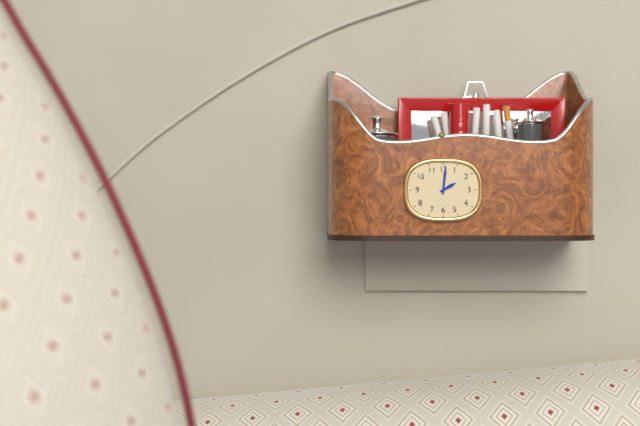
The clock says h=2 m=1
